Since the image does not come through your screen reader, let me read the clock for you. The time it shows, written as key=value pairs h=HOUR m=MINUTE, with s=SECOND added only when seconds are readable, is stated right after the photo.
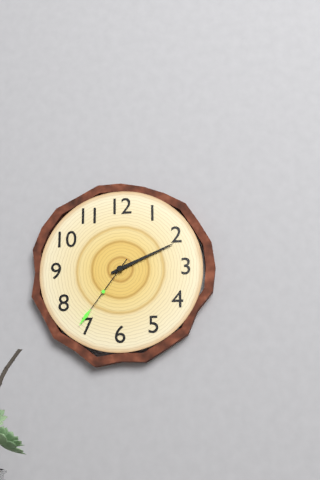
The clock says h=2 m=11 s=36
